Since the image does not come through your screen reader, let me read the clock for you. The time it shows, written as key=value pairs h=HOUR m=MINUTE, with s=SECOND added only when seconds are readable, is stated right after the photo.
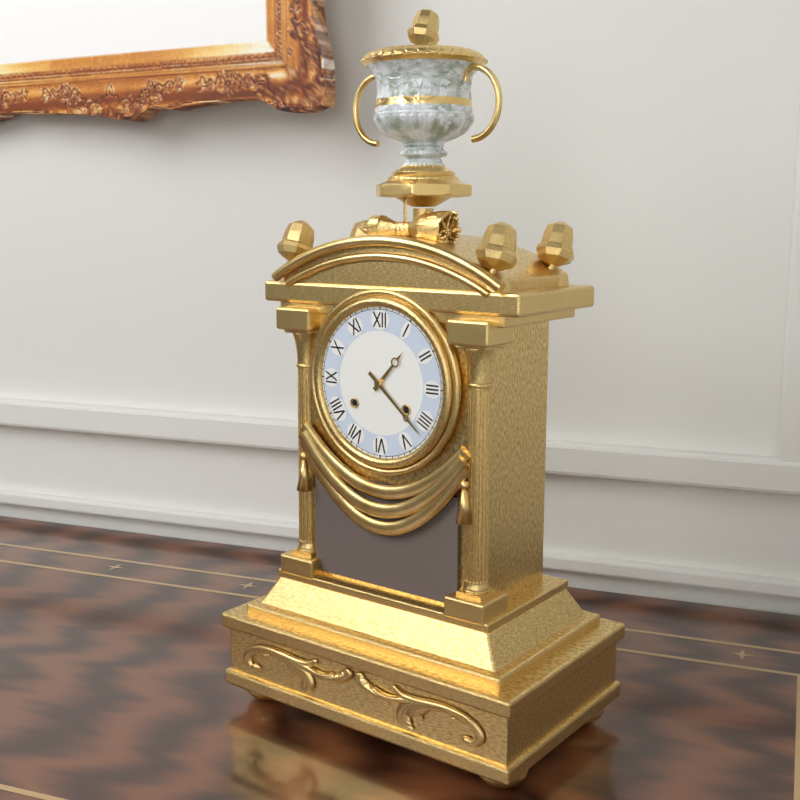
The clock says h=1 m=22
